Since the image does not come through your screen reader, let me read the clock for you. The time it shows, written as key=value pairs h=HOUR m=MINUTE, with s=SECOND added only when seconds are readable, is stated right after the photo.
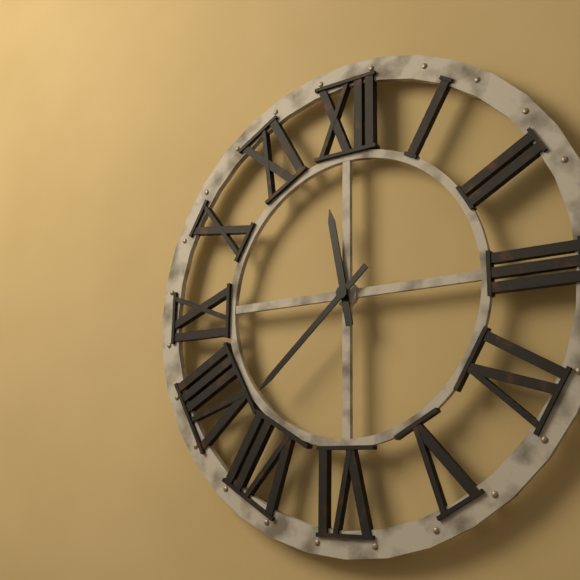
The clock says h=11 m=38
